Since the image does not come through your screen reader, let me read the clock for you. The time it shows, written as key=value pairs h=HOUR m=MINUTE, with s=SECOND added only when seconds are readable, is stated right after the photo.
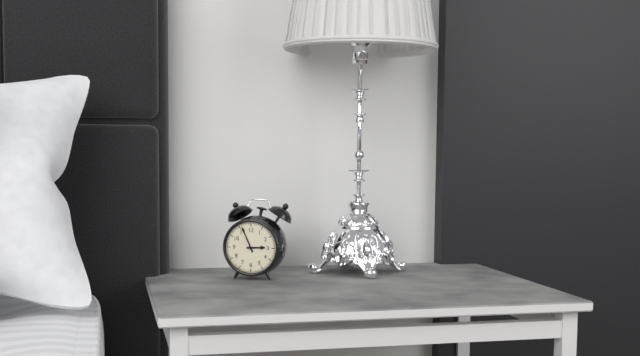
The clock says h=2 m=56
